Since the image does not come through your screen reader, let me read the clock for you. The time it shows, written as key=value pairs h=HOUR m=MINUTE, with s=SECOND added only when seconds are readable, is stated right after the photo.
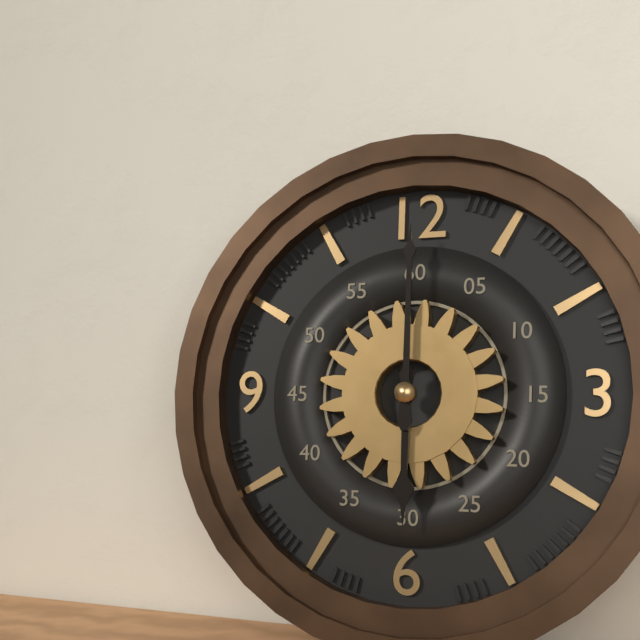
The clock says h=6 m=0
